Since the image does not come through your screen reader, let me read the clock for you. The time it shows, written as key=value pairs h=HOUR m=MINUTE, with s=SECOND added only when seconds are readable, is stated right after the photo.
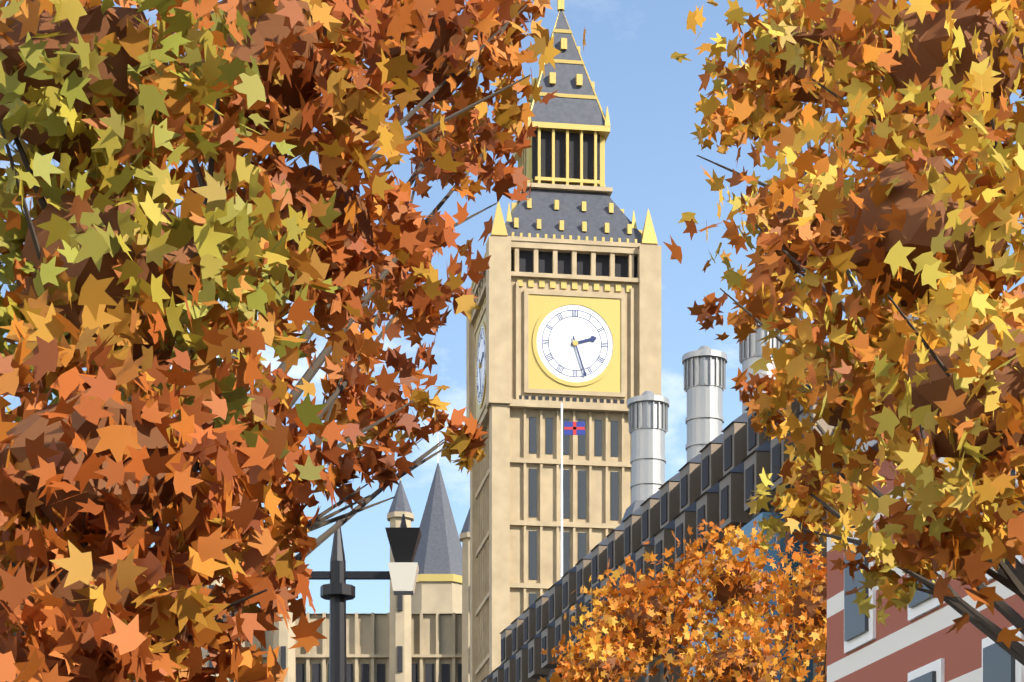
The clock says h=2 m=27
